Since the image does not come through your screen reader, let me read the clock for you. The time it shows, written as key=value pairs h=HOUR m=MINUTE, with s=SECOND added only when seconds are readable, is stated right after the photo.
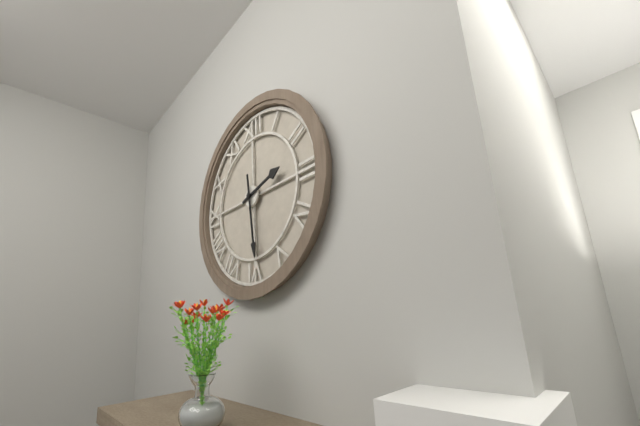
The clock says h=2 m=29
